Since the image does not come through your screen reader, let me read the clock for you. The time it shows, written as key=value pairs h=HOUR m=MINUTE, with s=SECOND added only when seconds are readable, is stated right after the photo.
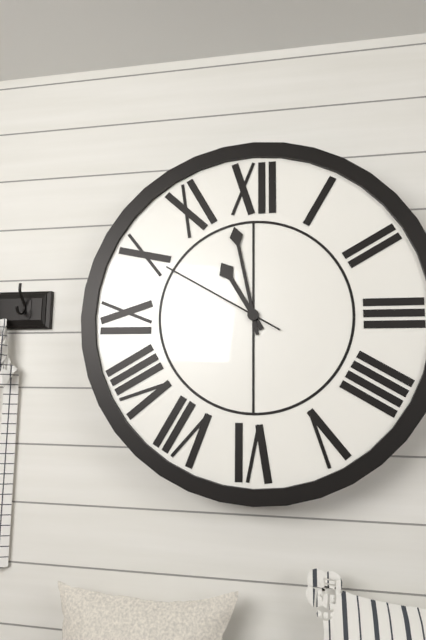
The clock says h=10 m=58 s=50
